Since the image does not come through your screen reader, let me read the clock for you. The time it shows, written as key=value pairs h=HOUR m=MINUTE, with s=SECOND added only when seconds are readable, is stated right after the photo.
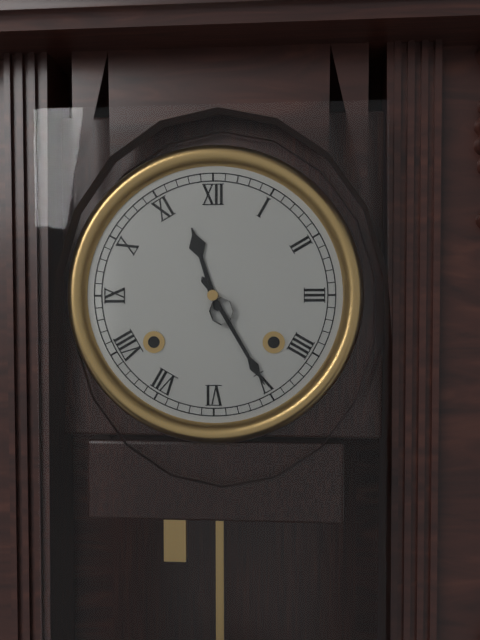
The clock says h=11 m=25
